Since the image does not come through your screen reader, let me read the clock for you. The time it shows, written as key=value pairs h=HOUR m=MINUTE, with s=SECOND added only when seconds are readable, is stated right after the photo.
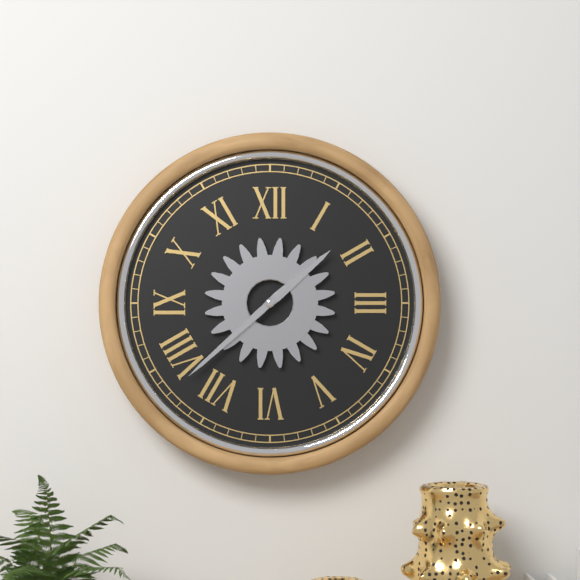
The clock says h=1 m=38
